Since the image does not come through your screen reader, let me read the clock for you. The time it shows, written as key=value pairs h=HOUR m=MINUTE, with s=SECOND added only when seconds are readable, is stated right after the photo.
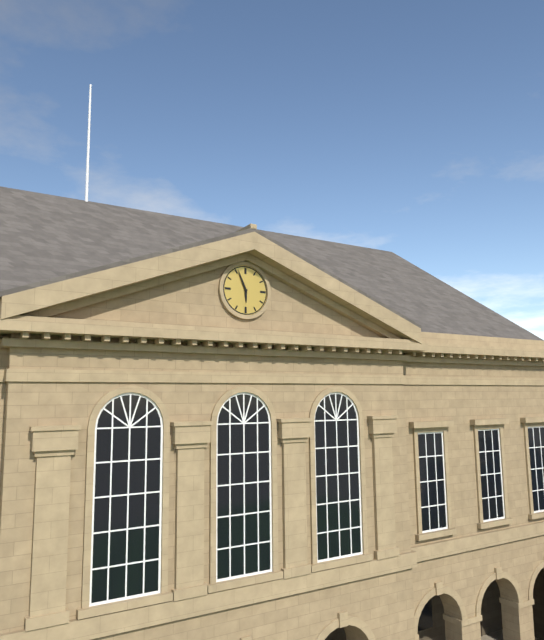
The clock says h=5 m=56
